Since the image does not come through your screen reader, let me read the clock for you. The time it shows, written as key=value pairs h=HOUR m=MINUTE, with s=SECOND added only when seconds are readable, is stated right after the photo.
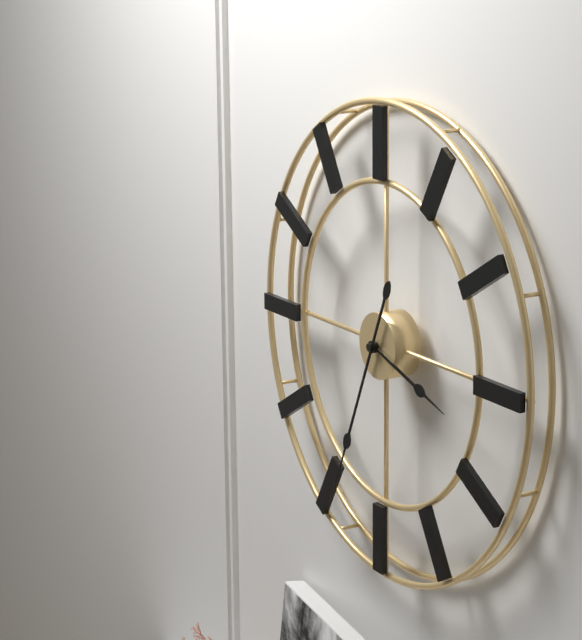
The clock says h=3 m=34
